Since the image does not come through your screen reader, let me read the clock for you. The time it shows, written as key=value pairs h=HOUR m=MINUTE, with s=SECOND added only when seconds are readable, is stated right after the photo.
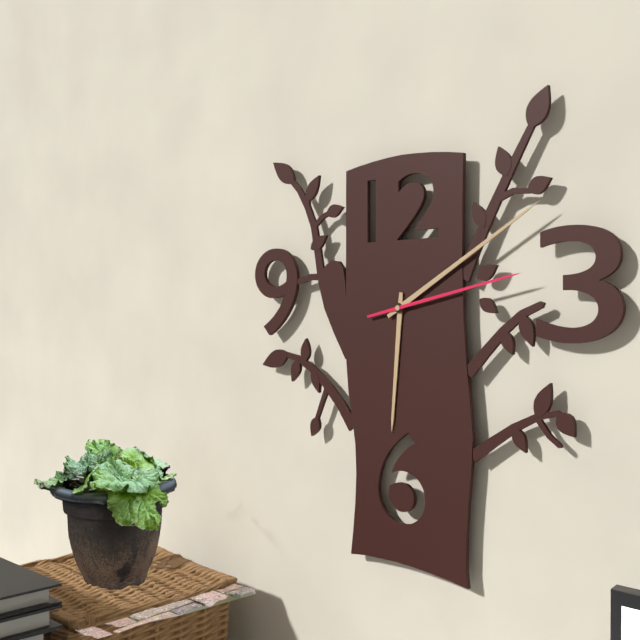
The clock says h=6 m=10 s=13
